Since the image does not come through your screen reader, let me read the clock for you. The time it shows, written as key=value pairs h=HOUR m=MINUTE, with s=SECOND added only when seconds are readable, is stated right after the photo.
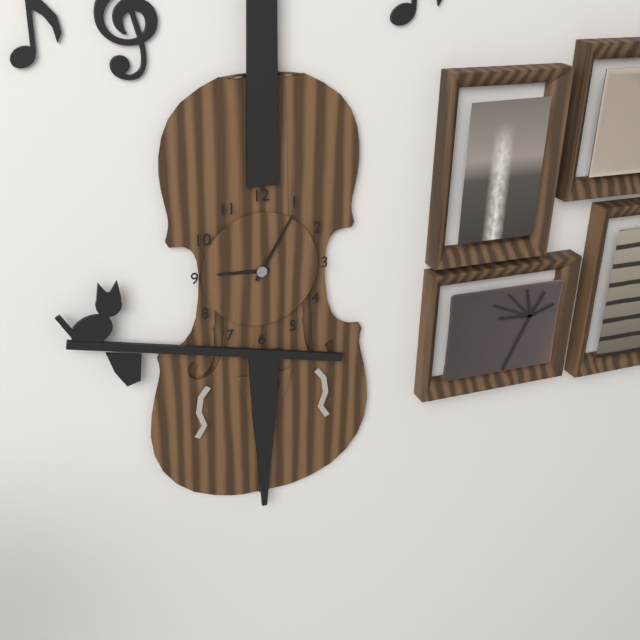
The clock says h=9 m=5
